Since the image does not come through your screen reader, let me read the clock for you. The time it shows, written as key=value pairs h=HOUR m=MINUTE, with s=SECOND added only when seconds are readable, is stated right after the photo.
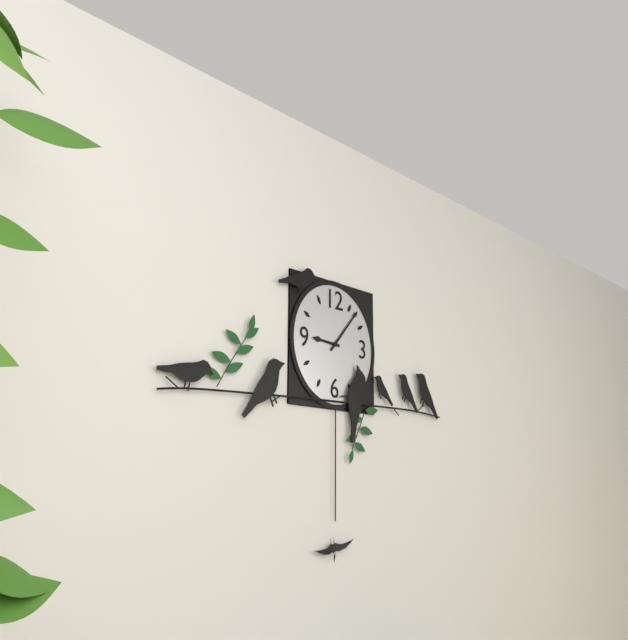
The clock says h=9 m=7
